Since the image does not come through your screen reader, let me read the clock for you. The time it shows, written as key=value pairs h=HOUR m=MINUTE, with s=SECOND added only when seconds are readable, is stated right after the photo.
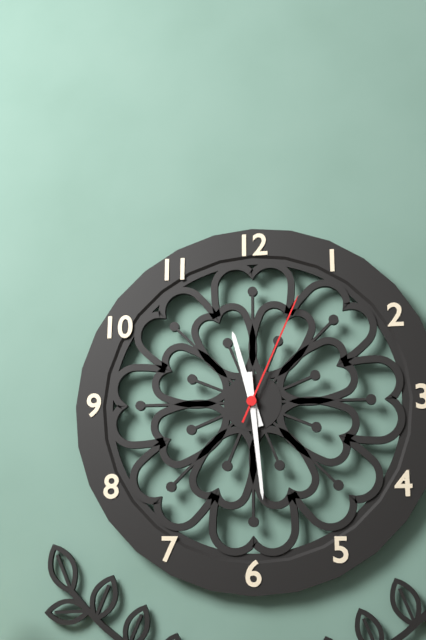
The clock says h=11 m=29 s=4
